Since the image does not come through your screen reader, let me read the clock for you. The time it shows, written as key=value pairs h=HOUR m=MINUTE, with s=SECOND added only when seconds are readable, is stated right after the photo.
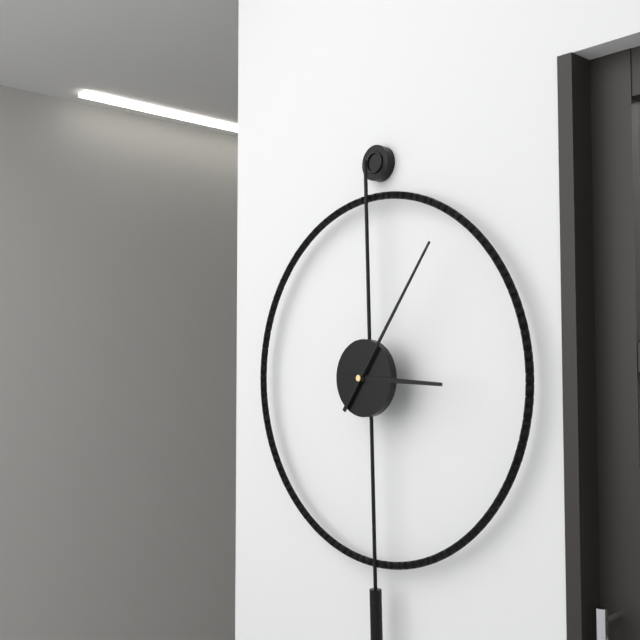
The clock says h=3 m=6
